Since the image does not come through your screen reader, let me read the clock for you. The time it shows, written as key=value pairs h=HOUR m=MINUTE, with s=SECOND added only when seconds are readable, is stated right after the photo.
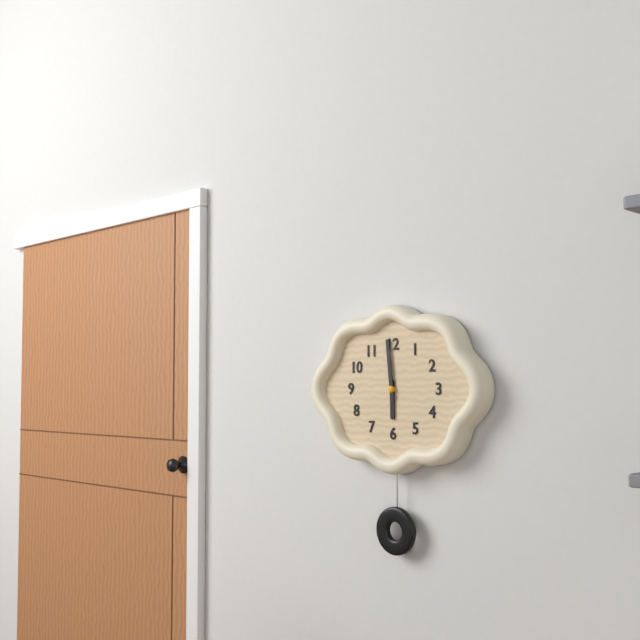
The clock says h=5 m=59
